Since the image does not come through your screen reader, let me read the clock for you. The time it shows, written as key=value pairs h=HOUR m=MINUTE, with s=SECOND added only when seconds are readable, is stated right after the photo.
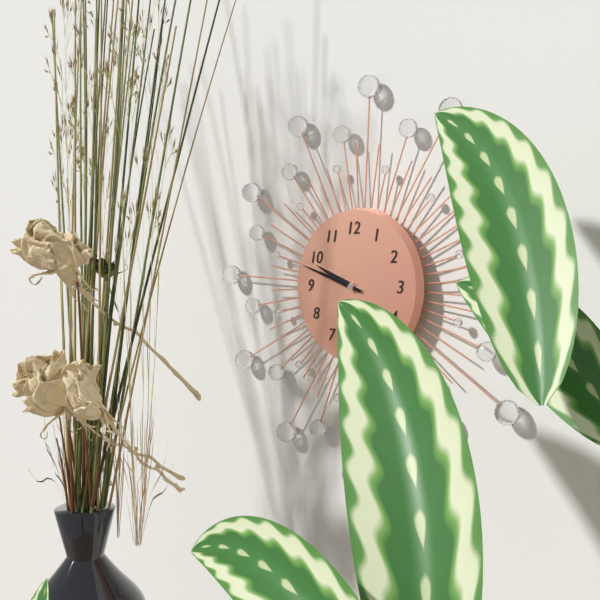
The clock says h=9 m=48
